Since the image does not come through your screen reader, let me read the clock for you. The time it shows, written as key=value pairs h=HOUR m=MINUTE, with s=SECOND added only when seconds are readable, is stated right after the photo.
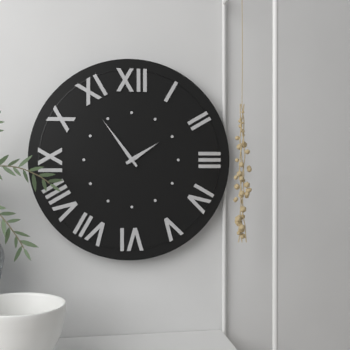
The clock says h=1 m=54
